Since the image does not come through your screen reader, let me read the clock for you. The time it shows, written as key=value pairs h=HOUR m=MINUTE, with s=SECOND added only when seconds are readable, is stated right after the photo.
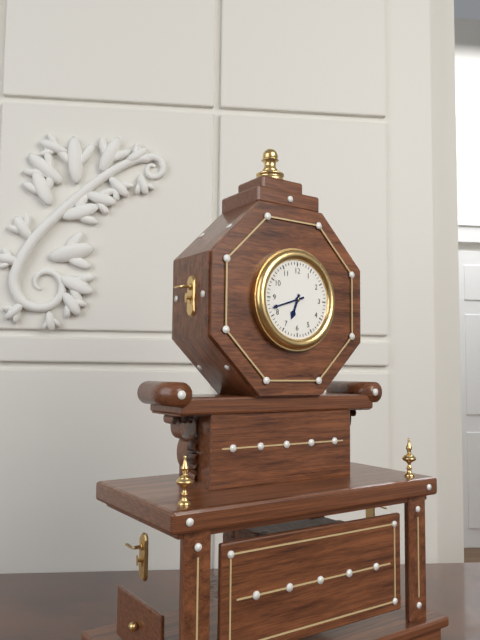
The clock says h=6 m=42
